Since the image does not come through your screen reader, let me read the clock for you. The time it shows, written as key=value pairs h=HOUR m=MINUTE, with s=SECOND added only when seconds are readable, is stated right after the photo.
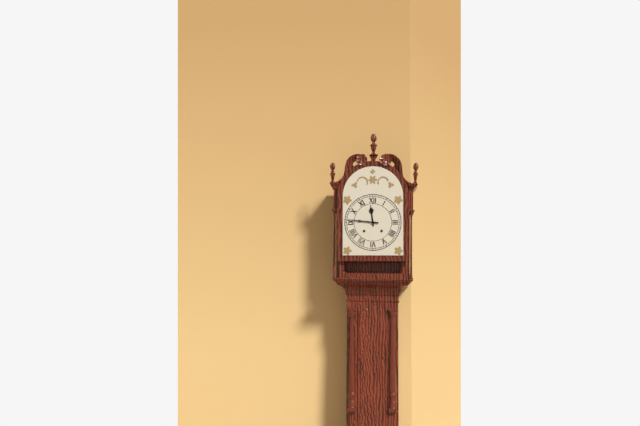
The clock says h=11 m=46
